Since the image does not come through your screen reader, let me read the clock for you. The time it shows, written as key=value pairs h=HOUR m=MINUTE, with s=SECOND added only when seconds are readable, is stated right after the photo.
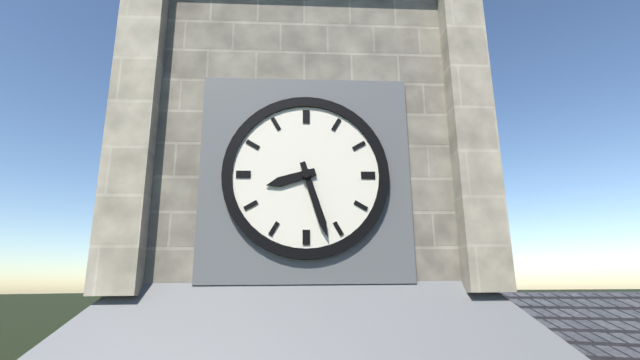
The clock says h=8 m=27
